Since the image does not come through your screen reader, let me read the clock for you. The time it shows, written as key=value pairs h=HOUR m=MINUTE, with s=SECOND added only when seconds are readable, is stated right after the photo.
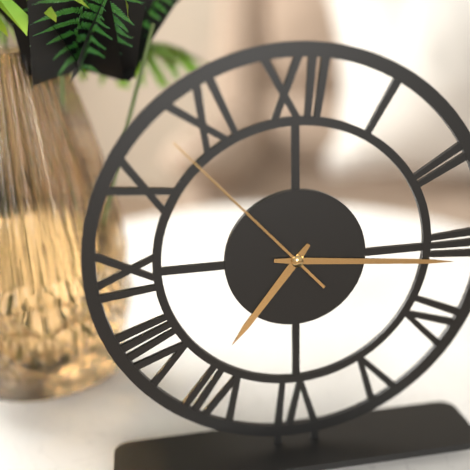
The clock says h=7 m=16 s=53
